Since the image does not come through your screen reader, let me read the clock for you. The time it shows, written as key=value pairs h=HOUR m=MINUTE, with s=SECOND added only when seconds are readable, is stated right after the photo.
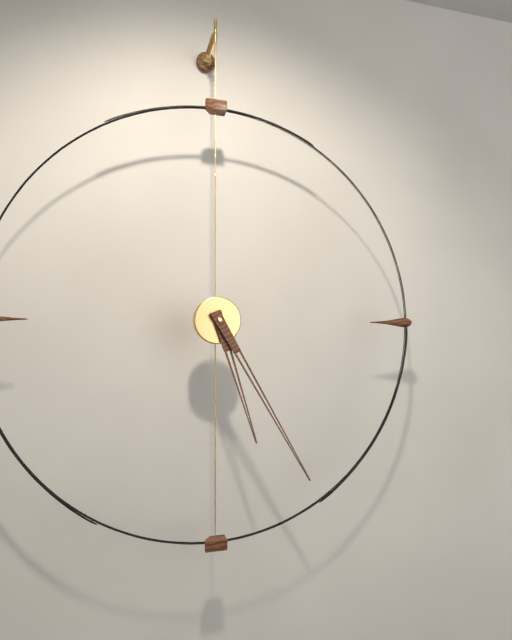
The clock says h=5 m=25
